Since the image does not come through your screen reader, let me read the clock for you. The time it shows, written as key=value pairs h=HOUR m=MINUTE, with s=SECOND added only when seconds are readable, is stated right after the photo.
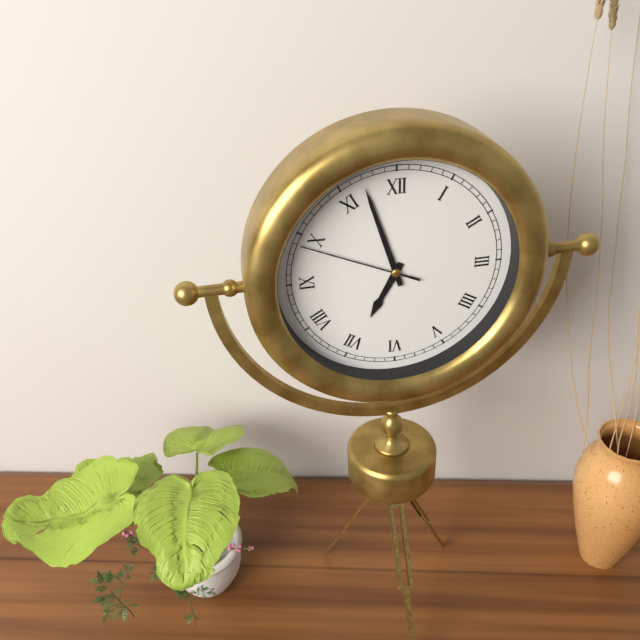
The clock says h=6 m=57 s=49
